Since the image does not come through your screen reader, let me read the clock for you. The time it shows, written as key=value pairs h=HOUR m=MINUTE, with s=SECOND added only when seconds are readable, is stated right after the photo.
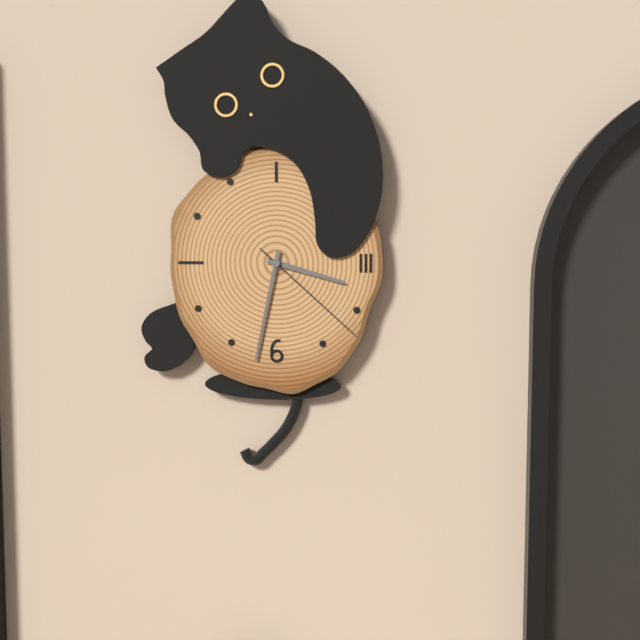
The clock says h=3 m=32 s=22
